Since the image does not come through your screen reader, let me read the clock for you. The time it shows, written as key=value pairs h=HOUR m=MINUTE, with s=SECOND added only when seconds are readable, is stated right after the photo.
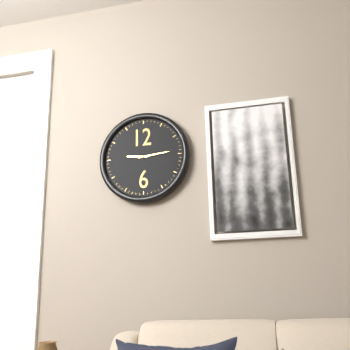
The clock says h=9 m=14
